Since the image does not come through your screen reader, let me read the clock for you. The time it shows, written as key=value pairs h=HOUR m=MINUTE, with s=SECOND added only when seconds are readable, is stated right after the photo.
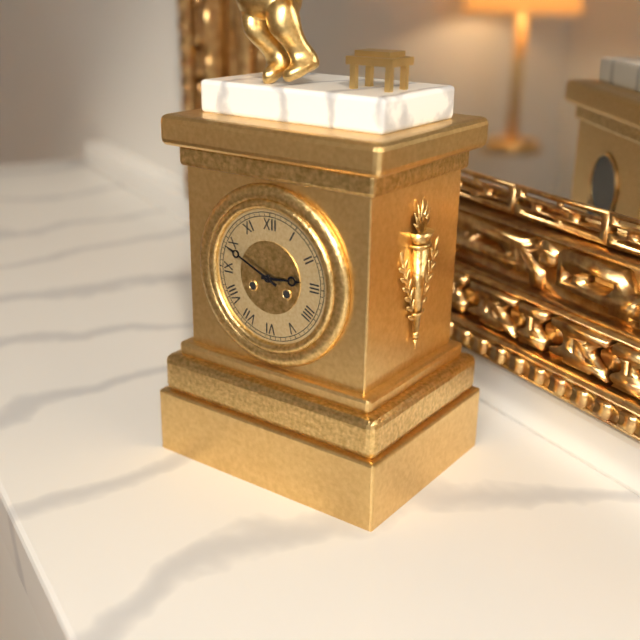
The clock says h=2 m=49
